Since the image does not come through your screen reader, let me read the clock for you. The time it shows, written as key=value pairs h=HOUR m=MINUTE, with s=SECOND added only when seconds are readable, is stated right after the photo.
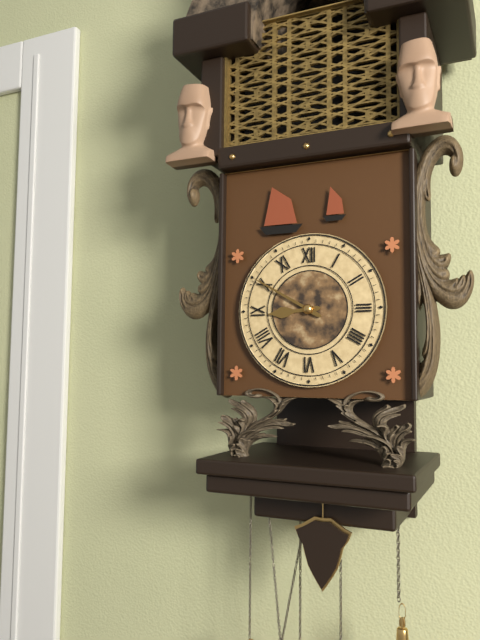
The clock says h=8 m=50
